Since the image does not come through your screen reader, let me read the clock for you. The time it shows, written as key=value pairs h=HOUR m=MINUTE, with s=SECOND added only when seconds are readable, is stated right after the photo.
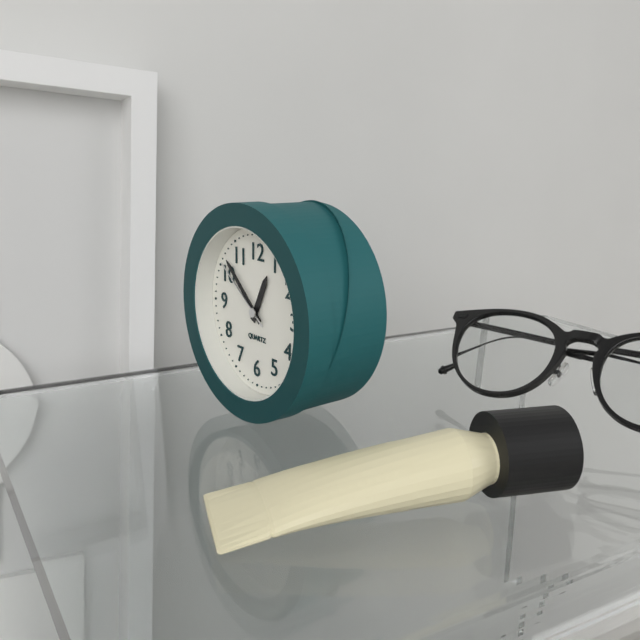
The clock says h=12 m=52 s=51
